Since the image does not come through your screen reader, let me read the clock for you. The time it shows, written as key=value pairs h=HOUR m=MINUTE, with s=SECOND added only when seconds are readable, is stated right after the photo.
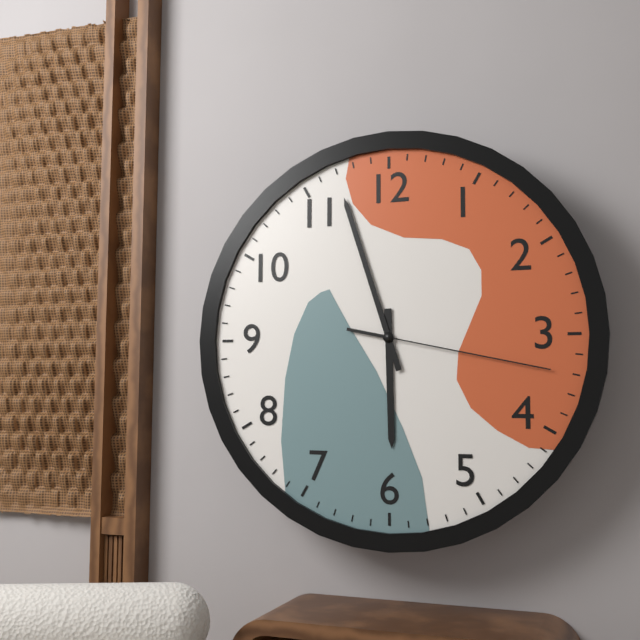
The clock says h=5 m=57 s=17
